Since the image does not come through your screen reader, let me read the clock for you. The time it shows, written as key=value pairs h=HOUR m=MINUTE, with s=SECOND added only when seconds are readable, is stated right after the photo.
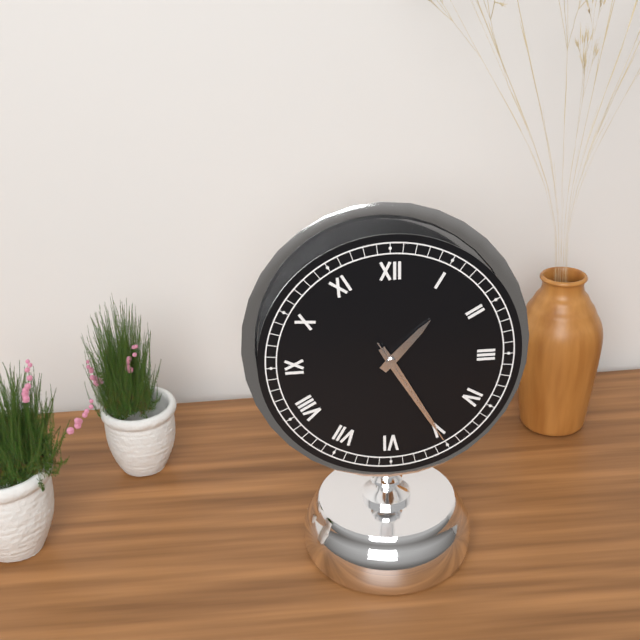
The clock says h=1 m=25 s=25
